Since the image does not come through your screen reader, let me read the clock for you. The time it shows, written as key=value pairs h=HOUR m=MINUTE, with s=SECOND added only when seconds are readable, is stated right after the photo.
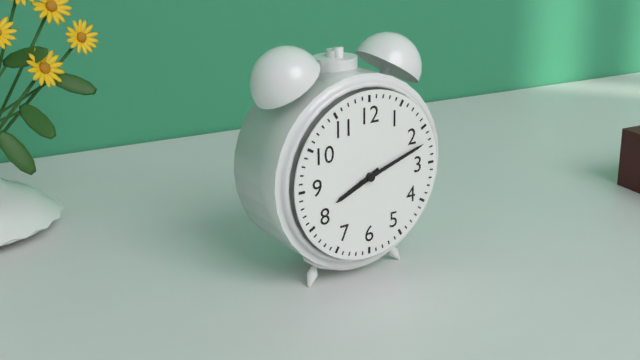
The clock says h=8 m=12
